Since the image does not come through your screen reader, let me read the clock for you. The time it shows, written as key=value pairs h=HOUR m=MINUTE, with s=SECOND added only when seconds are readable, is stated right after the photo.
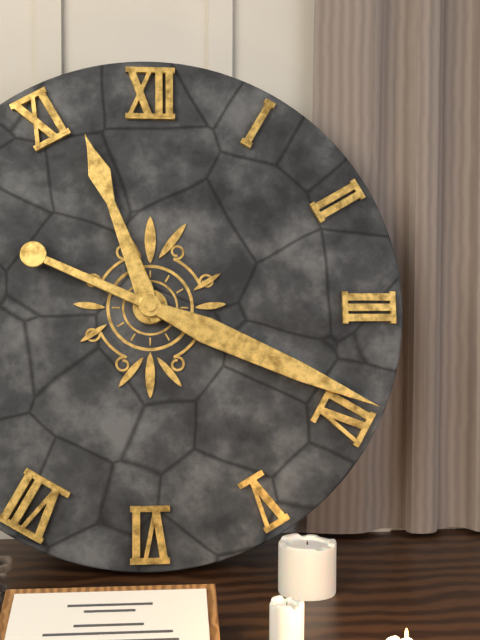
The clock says h=11 m=19
